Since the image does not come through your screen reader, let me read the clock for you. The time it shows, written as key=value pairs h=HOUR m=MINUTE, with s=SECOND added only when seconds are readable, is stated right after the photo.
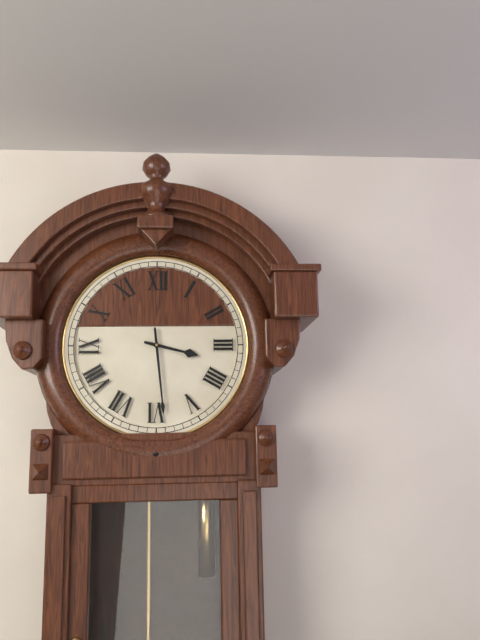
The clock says h=3 m=29
